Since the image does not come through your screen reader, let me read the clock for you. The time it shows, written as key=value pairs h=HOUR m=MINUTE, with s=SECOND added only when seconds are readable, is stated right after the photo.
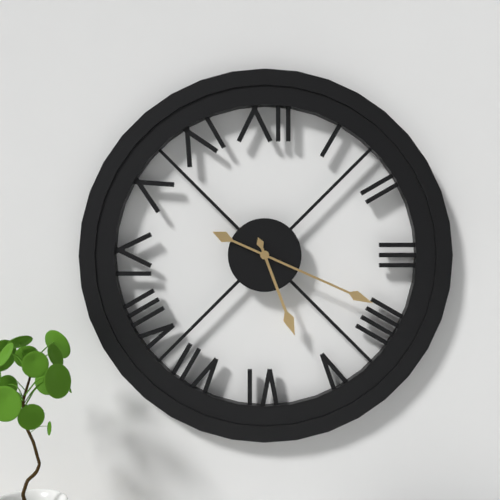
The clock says h=5 m=19
